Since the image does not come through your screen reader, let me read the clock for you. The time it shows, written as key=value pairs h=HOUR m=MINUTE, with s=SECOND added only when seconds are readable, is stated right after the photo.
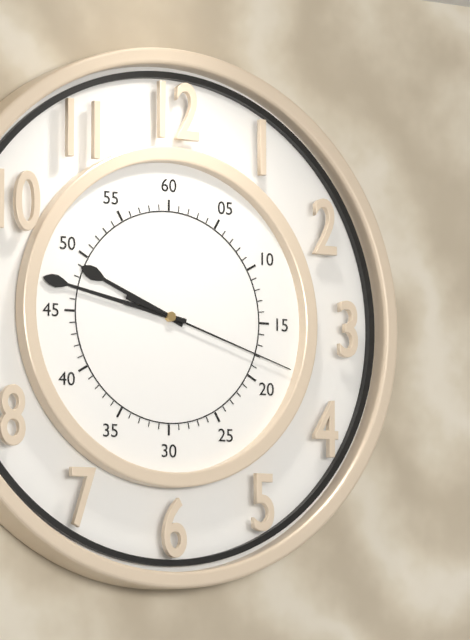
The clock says h=9 m=47 s=18
